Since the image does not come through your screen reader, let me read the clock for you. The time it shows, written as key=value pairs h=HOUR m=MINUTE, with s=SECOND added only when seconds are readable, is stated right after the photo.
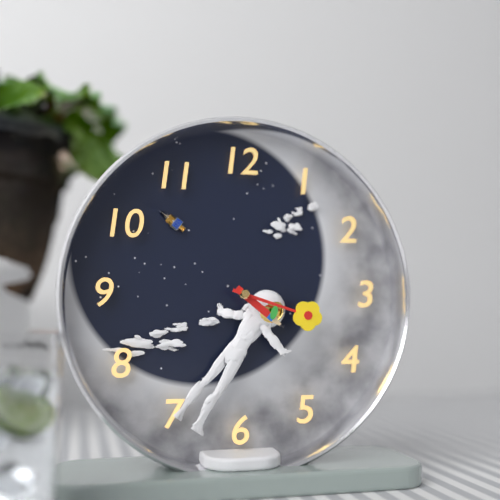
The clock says h=4 m=18
